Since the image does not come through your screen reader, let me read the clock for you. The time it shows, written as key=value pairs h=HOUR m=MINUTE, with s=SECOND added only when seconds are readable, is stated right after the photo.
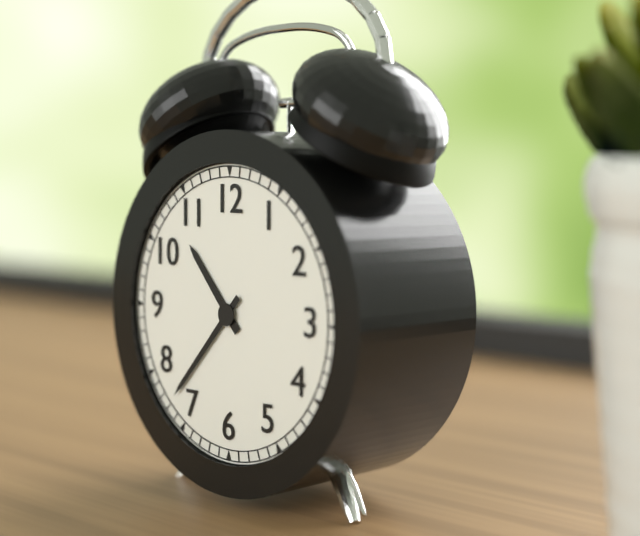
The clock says h=10 m=37
